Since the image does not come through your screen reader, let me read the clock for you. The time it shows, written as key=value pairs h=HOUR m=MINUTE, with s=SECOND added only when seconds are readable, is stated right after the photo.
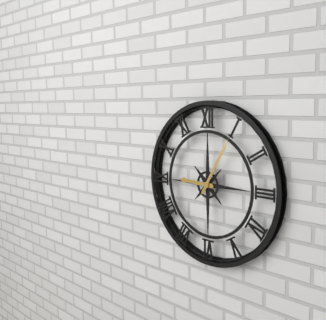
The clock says h=9 m=5
